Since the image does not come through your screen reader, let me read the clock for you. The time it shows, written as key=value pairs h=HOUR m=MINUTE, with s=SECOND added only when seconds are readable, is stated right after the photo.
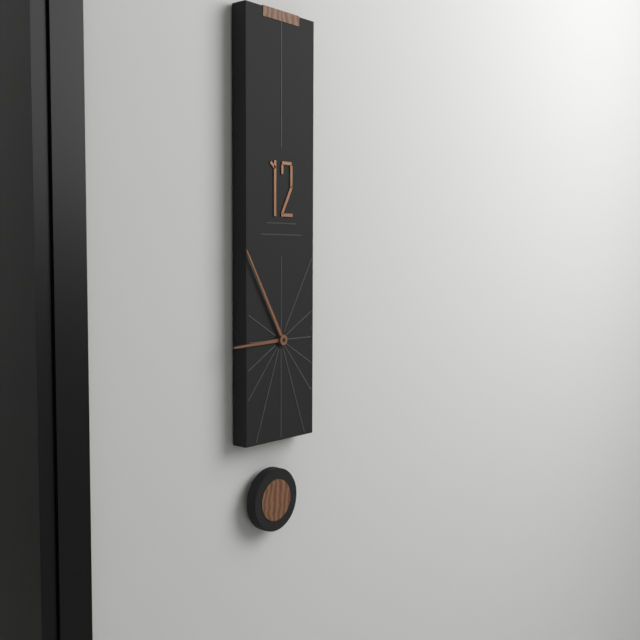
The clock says h=8 m=55
